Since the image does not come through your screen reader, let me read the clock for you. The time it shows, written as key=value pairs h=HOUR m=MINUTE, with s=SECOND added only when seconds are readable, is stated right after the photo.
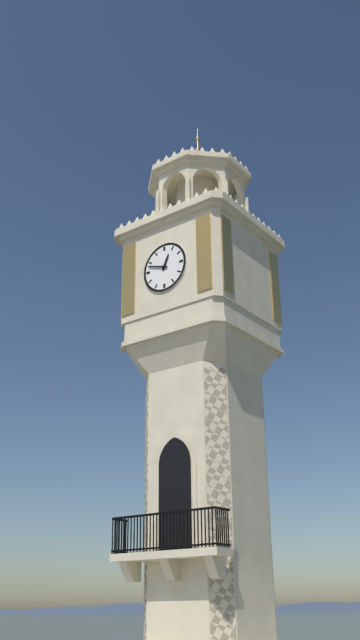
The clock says h=12 m=48
